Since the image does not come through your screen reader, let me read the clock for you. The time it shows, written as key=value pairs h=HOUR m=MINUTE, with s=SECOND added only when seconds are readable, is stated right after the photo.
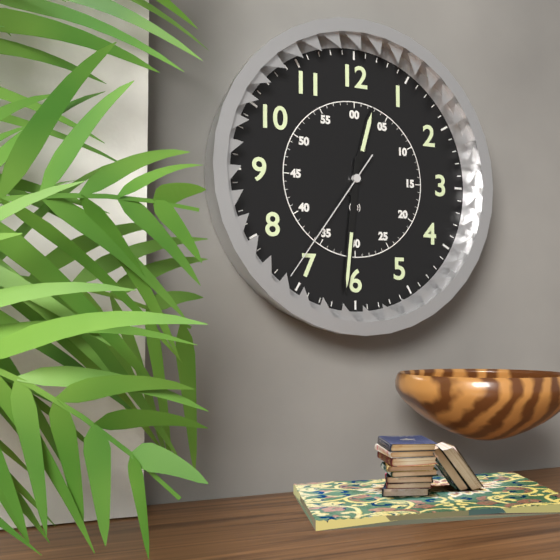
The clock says h=12 m=31 s=36
